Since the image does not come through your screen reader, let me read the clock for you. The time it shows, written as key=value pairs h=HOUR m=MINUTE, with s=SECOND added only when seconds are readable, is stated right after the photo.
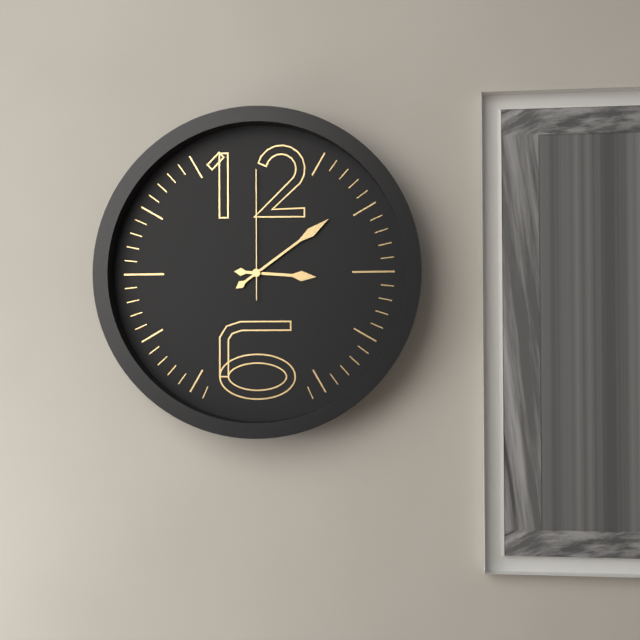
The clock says h=3 m=9 s=0
